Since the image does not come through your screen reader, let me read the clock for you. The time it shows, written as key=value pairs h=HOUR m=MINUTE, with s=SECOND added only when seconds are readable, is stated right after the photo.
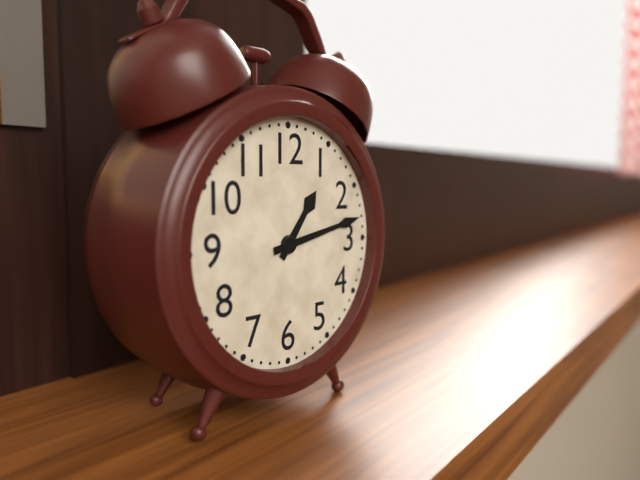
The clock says h=1 m=13
